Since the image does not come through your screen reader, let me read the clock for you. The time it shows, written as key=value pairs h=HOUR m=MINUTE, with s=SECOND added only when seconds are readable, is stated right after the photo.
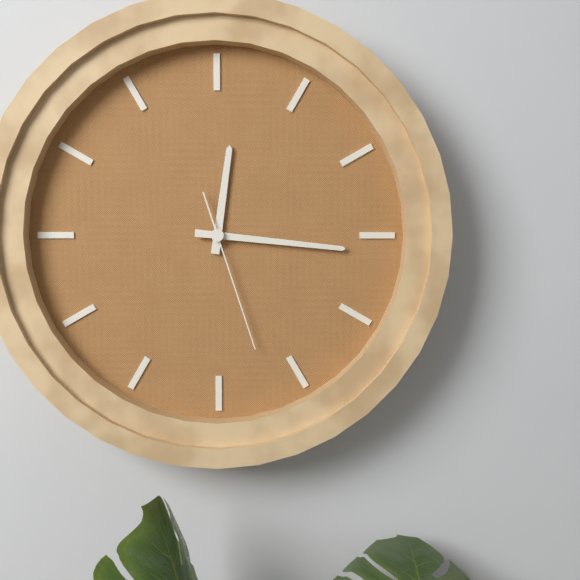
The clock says h=12 m=16 s=27
